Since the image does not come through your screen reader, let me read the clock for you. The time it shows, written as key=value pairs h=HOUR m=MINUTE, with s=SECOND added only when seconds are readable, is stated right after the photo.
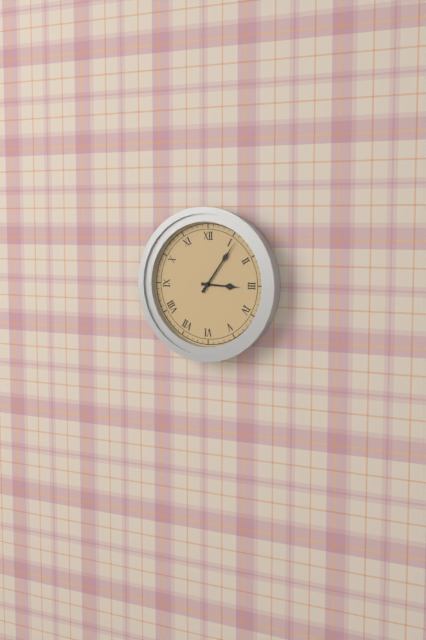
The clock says h=3 m=6
